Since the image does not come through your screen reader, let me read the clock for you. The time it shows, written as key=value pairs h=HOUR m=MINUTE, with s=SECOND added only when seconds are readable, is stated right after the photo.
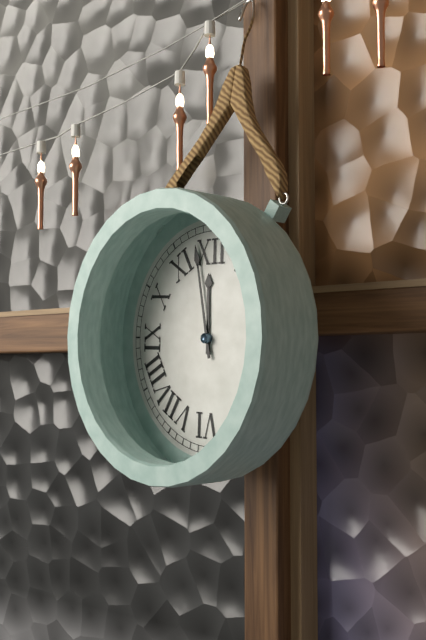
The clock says h=11 m=58
